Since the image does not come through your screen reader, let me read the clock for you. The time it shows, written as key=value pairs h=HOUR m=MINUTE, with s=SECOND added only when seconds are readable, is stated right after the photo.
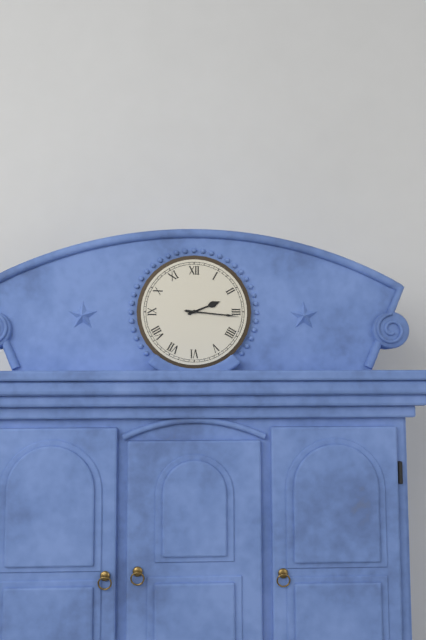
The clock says h=2 m=16
